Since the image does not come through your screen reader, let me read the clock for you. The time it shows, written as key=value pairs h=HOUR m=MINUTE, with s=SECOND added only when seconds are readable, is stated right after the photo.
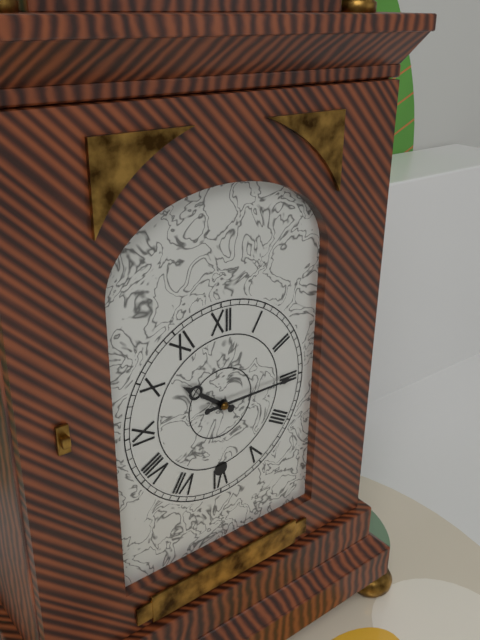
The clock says h=10 m=15
